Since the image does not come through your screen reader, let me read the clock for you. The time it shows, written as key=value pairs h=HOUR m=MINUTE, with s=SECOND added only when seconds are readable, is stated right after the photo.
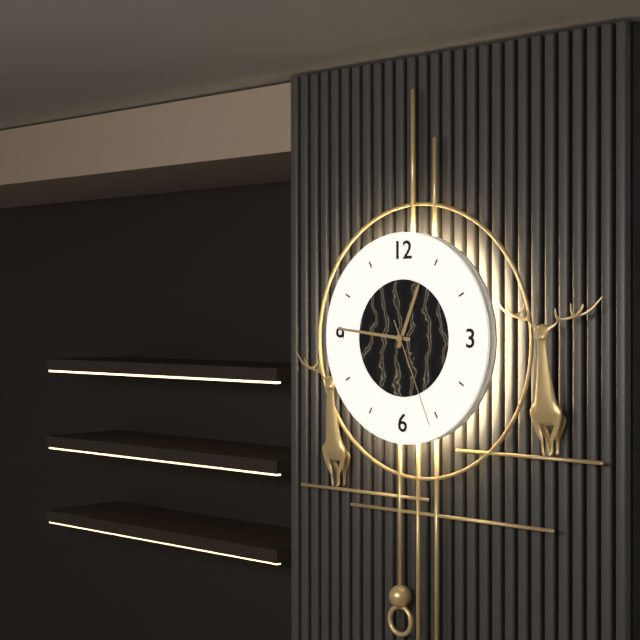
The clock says h=12 m=46 s=26
